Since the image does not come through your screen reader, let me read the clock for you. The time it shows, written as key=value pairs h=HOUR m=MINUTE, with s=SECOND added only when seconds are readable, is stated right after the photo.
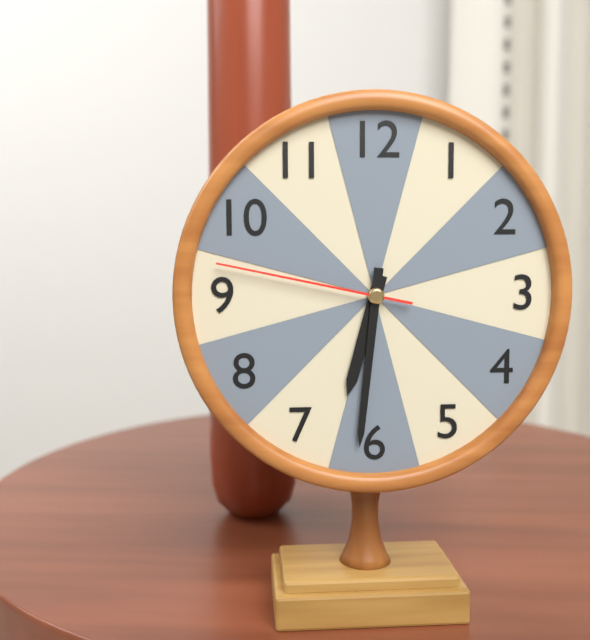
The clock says h=6 m=31 s=47
